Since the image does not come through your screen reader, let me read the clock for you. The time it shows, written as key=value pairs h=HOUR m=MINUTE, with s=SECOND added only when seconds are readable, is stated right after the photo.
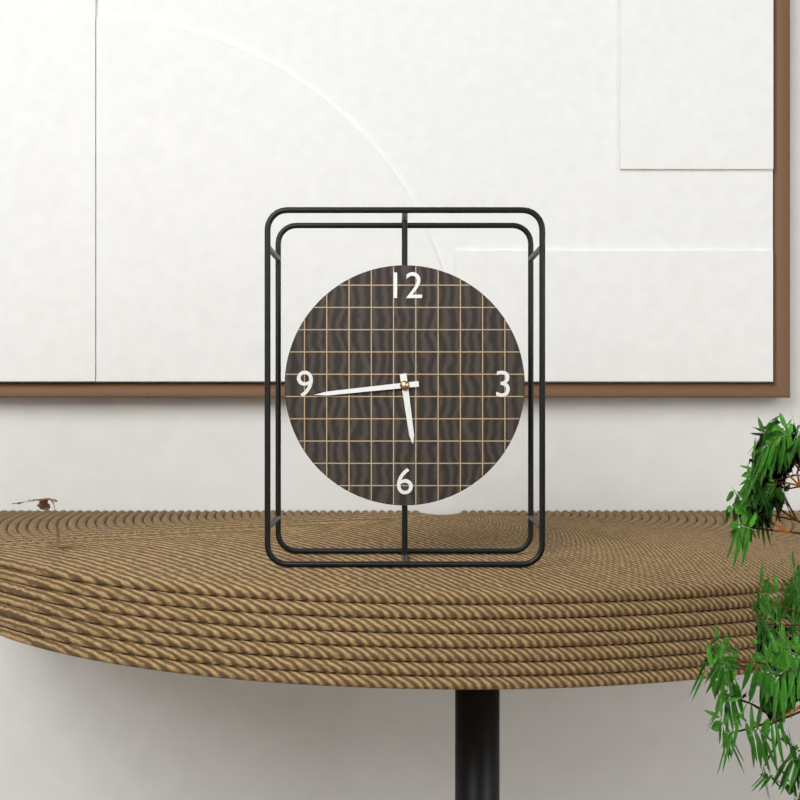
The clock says h=5 m=44
